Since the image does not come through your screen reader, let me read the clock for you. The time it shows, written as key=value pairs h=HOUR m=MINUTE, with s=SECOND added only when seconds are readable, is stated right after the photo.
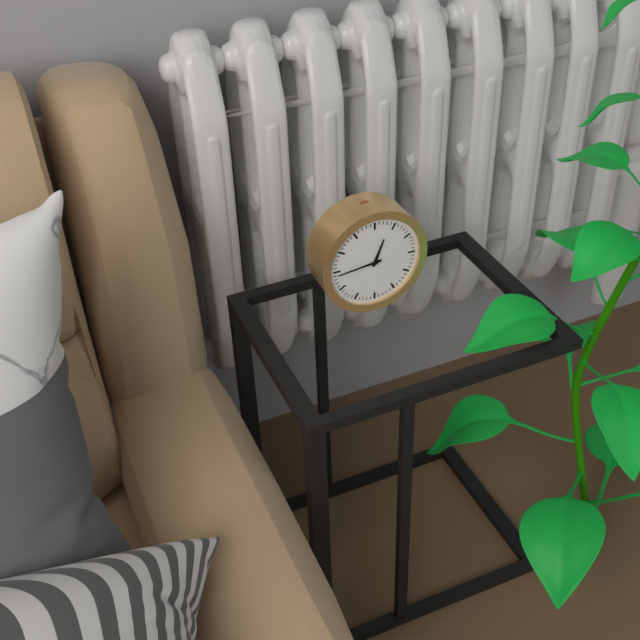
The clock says h=12 m=44
